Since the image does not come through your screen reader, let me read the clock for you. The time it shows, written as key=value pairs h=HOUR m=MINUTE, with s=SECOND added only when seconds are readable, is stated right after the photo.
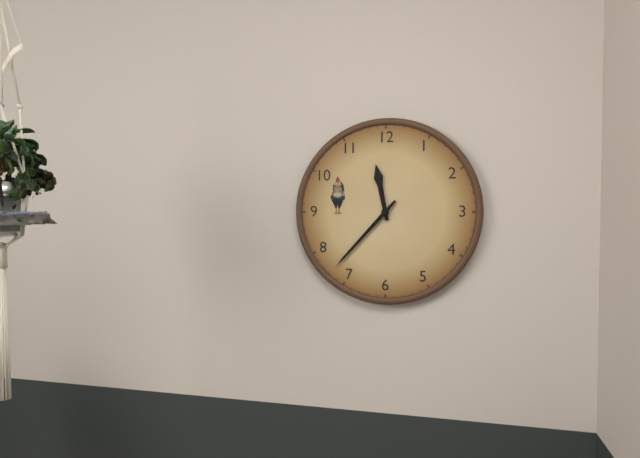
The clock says h=11 m=37
